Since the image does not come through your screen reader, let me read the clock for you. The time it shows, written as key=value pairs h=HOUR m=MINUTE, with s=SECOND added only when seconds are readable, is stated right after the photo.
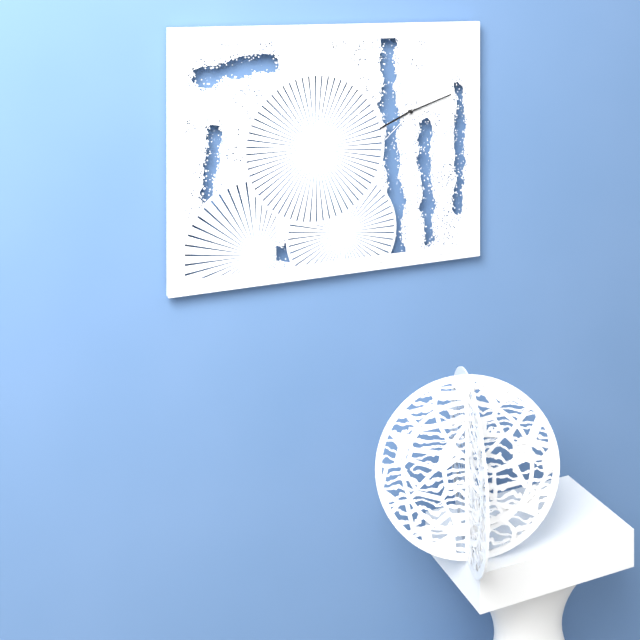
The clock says h=8 m=12
